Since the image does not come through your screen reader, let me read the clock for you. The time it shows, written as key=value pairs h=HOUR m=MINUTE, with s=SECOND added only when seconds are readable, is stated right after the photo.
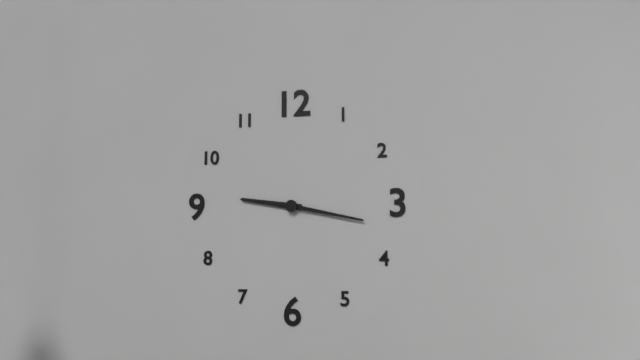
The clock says h=9 m=17
